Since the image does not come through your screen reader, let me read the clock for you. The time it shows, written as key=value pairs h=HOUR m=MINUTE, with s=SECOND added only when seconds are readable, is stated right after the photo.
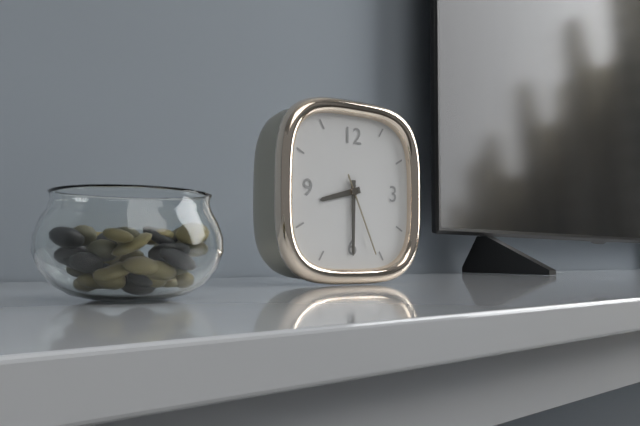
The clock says h=8 m=30 s=26
